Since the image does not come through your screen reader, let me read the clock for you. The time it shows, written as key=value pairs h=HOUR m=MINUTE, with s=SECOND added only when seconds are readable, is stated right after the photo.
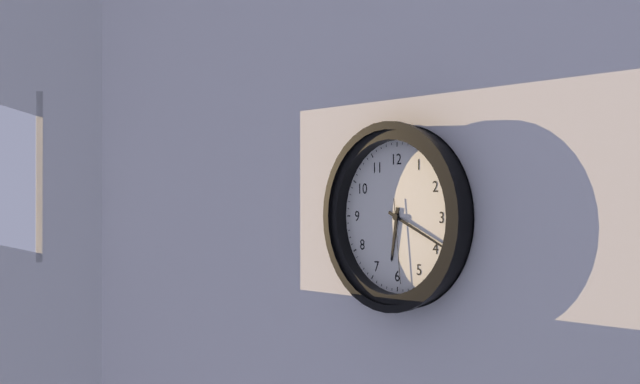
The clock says h=6 m=19 s=29
